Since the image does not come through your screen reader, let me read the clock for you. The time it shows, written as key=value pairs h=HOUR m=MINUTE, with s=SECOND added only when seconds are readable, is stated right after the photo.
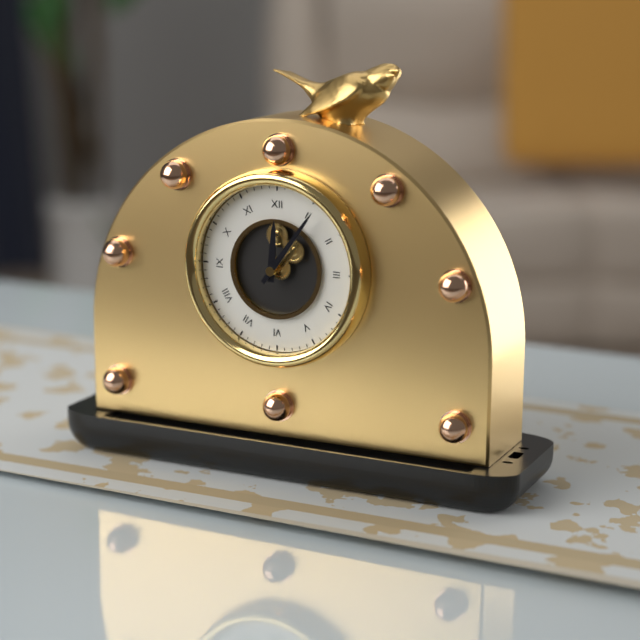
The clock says h=12 m=6
